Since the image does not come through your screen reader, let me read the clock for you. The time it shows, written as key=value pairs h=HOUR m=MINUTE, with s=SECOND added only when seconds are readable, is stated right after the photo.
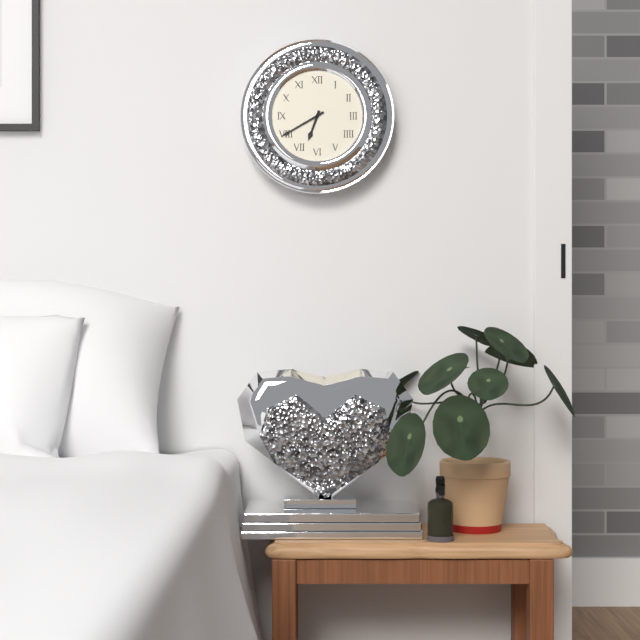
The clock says h=6 m=40
